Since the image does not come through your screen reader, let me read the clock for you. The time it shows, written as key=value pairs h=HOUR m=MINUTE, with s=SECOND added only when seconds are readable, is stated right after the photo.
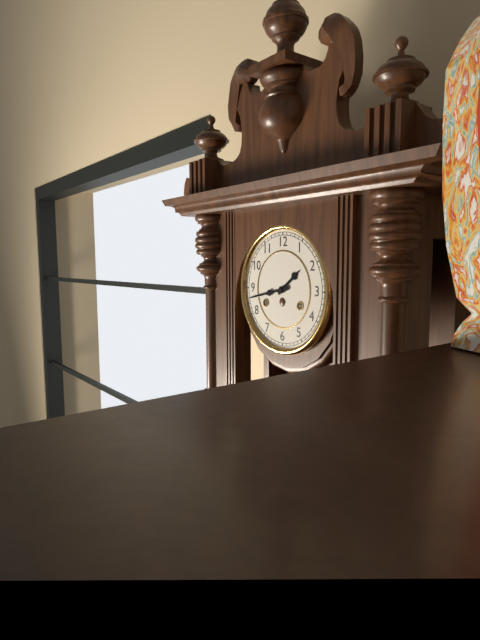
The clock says h=1 m=43
